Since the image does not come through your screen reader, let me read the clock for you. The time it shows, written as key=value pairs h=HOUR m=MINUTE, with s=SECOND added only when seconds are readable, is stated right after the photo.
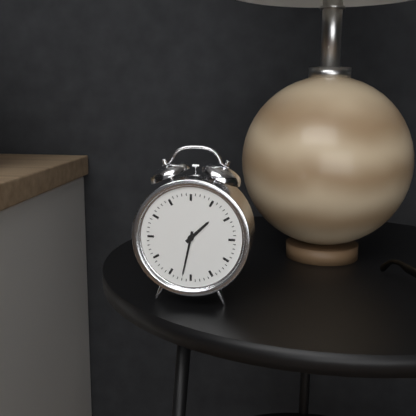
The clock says h=1 m=32
